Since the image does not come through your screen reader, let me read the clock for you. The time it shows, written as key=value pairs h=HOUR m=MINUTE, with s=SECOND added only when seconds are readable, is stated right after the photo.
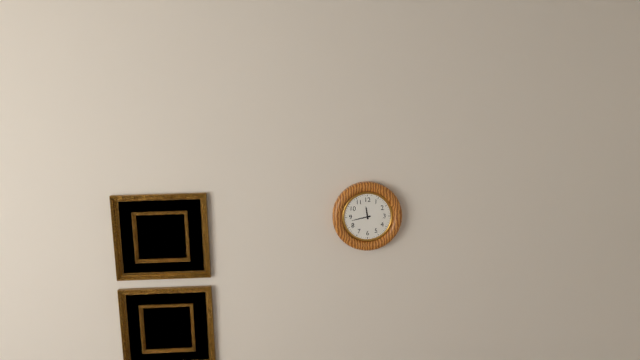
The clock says h=11 m=43
